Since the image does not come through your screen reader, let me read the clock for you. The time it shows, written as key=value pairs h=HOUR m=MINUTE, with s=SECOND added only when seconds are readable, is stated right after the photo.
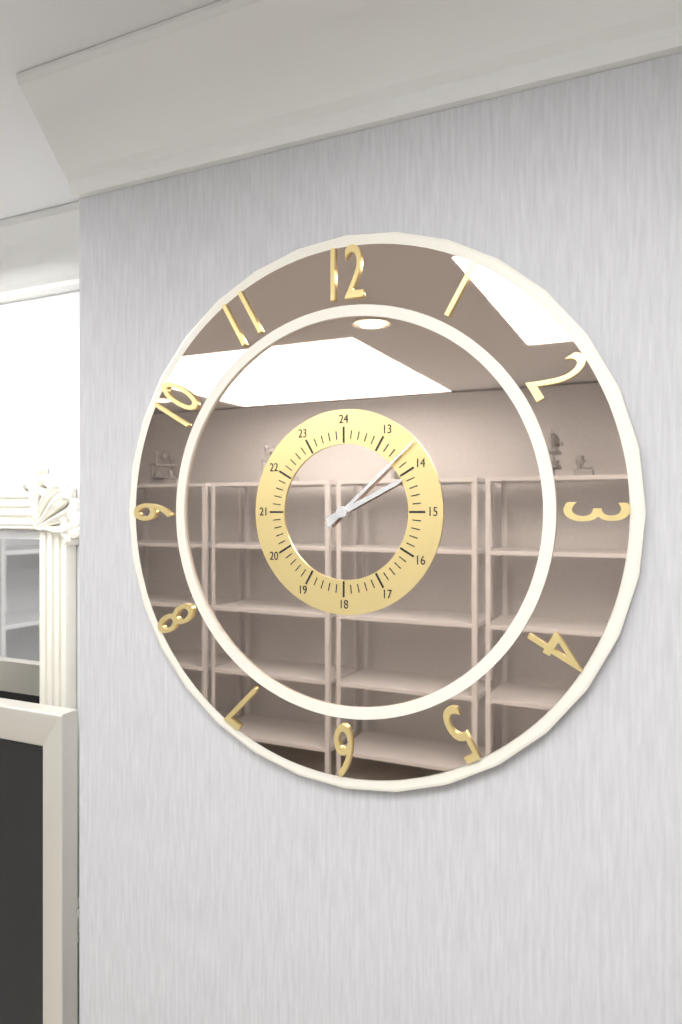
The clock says h=2 m=8
